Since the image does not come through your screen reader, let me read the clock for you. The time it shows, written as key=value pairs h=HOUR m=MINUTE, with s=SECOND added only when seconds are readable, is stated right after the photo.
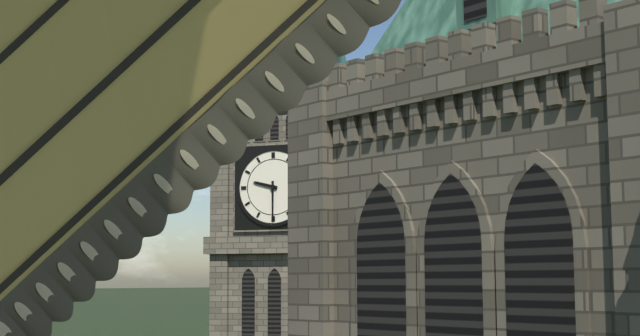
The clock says h=9 m=30
